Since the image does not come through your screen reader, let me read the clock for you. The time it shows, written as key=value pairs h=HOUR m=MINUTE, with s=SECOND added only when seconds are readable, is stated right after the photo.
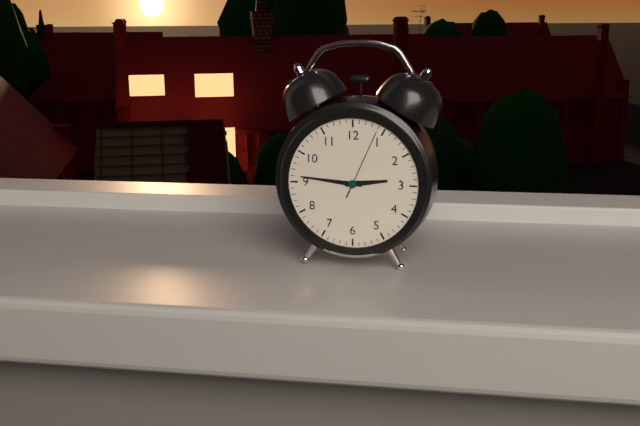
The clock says h=2 m=46 s=4
